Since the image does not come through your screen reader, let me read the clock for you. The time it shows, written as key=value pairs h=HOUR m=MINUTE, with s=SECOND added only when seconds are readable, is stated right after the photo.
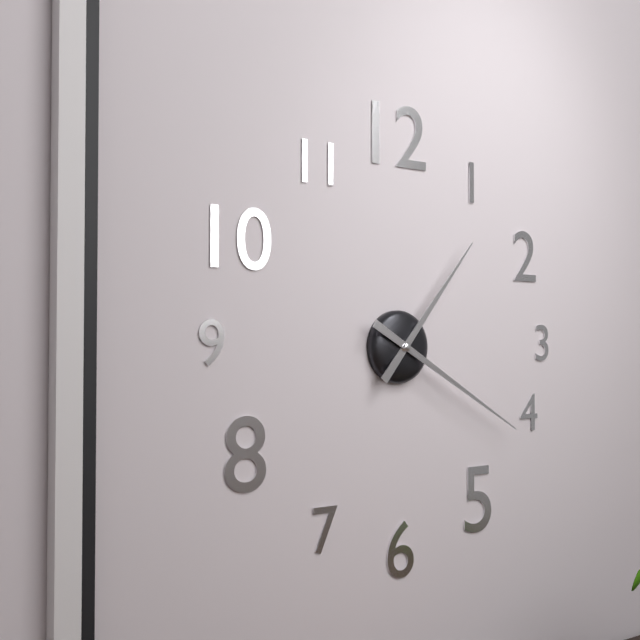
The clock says h=1 m=20
